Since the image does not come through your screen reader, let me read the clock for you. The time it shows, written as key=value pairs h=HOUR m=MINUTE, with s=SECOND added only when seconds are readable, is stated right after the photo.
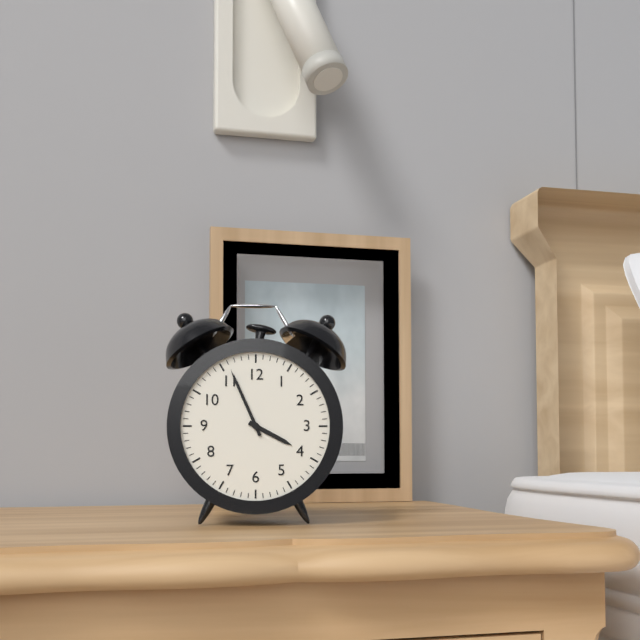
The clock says h=3 m=56
